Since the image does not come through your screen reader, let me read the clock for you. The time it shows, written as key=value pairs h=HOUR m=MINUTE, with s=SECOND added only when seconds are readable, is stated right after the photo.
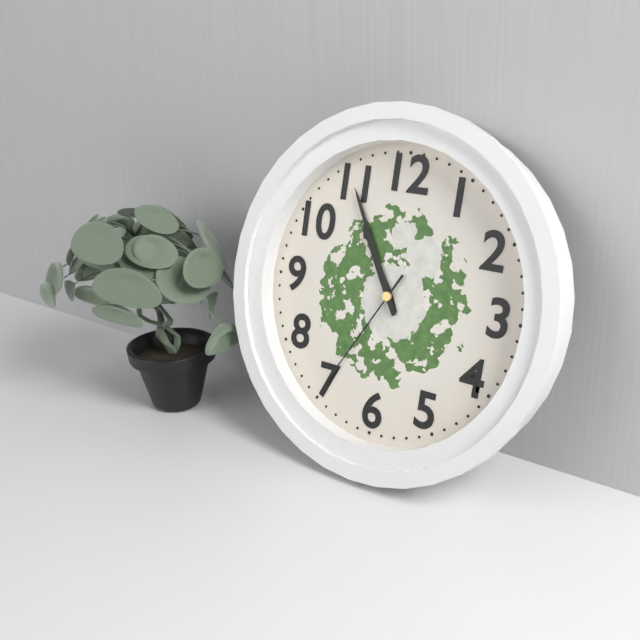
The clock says h=10 m=55 s=35
